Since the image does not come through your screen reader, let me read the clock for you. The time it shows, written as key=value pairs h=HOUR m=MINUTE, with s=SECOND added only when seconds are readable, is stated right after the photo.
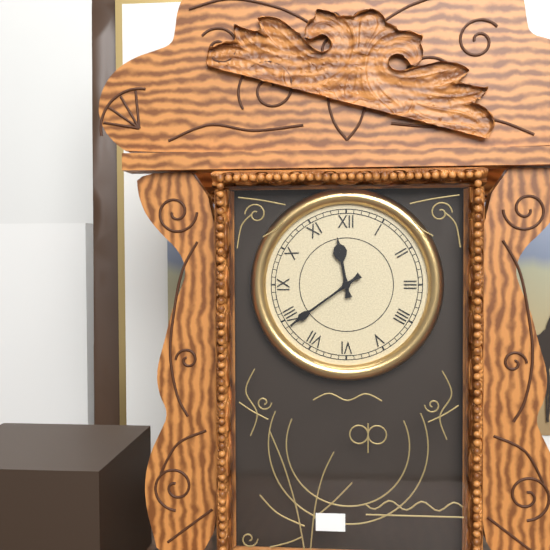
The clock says h=11 m=39
